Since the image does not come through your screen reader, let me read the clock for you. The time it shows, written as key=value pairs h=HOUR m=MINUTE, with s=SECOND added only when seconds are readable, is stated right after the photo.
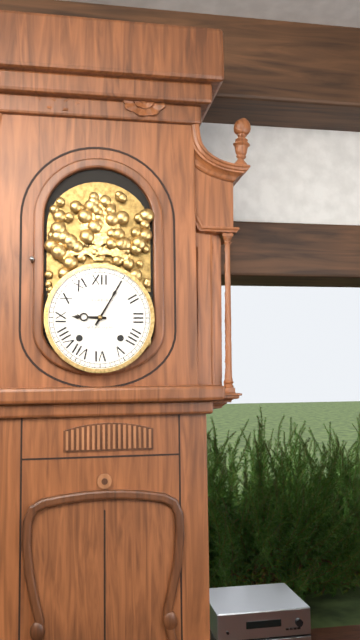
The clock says h=9 m=5
